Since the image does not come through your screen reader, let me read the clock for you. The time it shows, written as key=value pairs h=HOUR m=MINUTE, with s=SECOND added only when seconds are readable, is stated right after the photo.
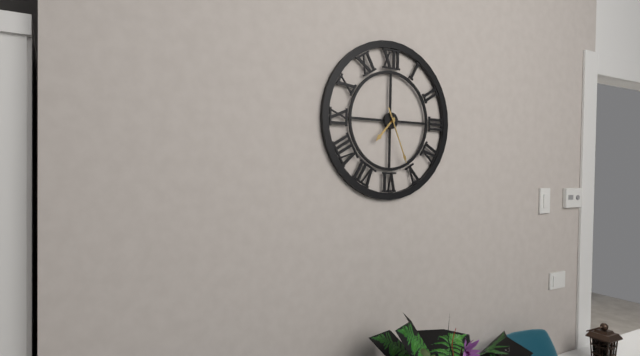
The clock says h=7 m=26
